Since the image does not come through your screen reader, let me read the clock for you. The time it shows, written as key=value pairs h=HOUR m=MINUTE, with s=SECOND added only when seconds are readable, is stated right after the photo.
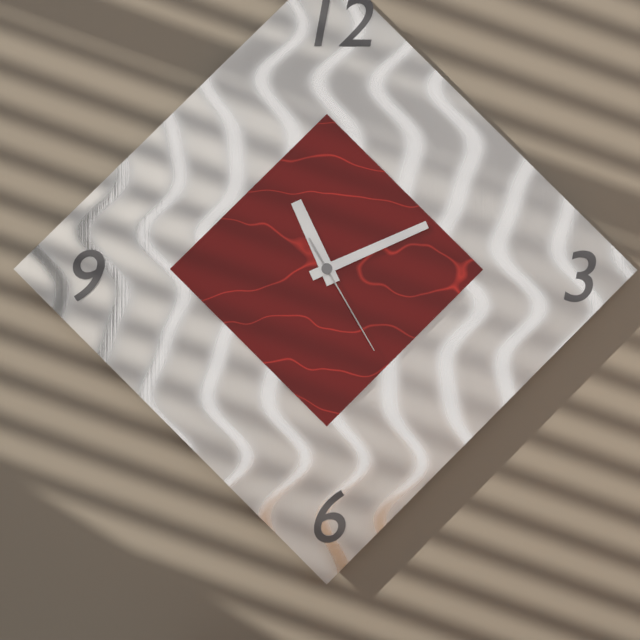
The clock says h=11 m=11 s=25
